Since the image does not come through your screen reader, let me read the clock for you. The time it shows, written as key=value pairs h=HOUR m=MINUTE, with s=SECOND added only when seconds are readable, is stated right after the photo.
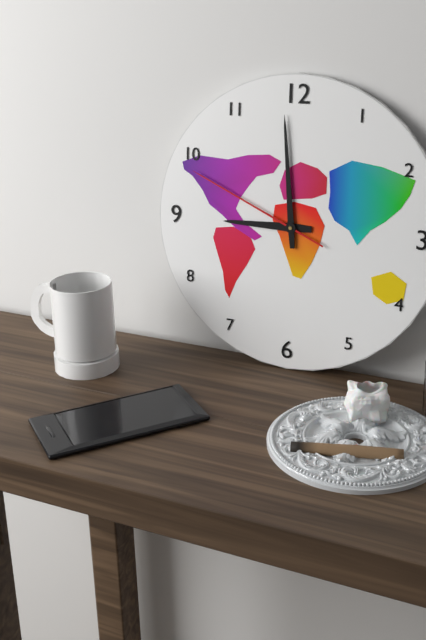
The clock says h=8 m=59 s=49
